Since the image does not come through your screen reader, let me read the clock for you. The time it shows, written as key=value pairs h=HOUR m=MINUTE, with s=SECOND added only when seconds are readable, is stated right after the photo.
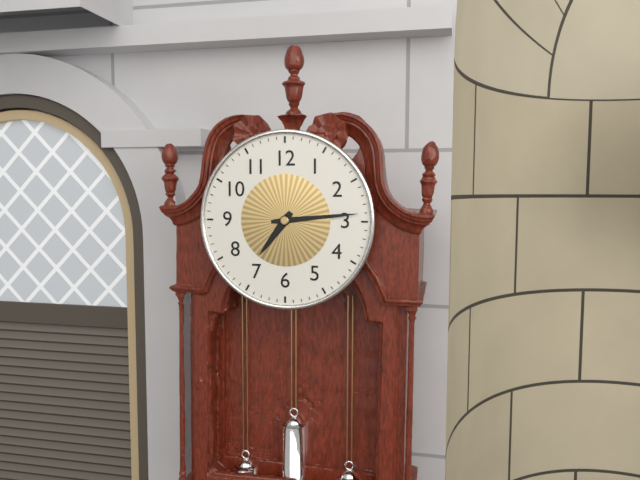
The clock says h=7 m=14
